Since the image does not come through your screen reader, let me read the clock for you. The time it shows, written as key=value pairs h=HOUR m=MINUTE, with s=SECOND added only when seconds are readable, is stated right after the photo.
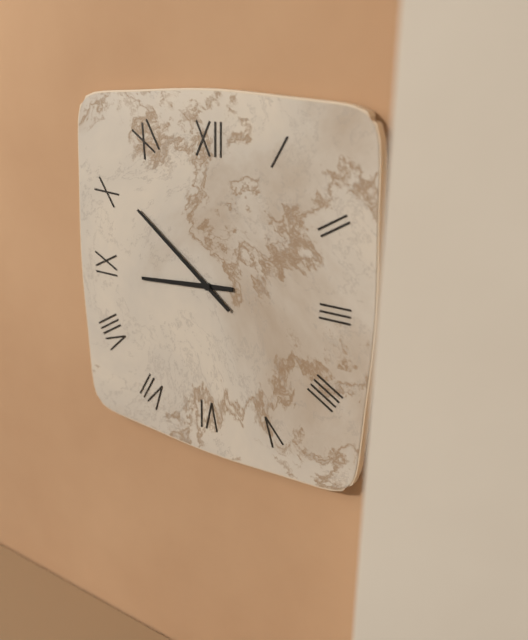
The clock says h=8 m=51
